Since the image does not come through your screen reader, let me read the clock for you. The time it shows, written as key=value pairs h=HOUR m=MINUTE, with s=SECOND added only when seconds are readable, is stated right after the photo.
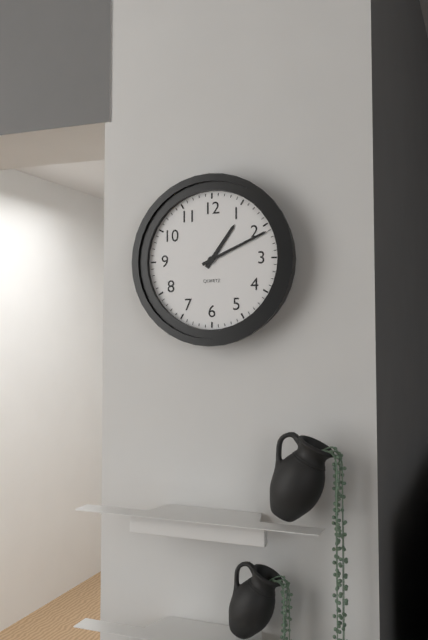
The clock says h=1 m=11
